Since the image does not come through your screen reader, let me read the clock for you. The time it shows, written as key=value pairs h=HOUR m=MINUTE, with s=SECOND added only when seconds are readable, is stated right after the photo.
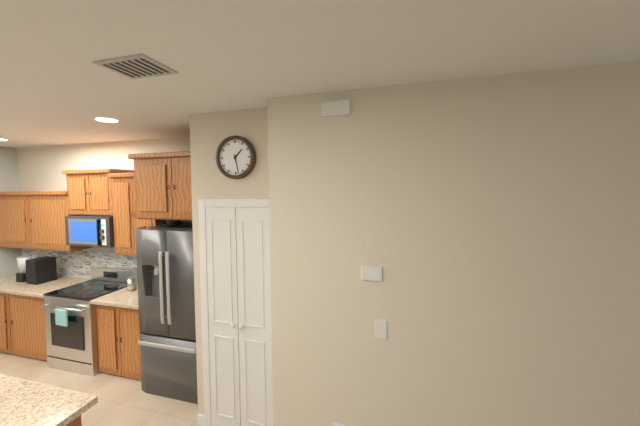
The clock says h=1 m=28
